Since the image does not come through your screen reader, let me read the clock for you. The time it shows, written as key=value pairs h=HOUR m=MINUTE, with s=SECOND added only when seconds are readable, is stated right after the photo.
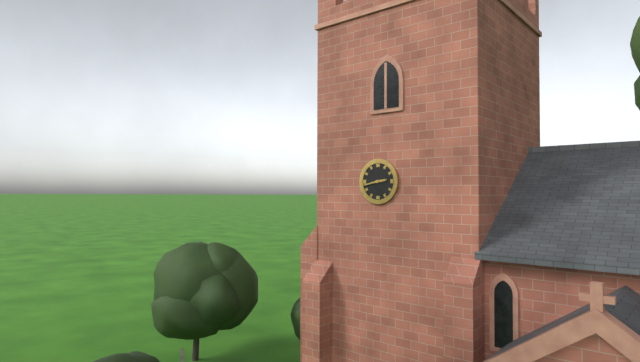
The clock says h=2 m=43
